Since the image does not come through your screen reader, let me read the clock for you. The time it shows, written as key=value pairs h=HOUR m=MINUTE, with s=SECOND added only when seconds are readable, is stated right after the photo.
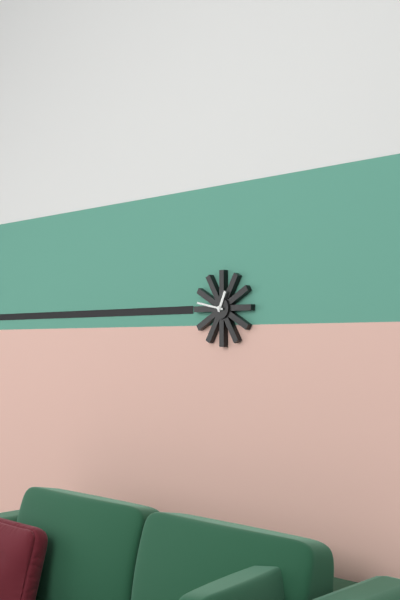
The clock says h=12 m=47
